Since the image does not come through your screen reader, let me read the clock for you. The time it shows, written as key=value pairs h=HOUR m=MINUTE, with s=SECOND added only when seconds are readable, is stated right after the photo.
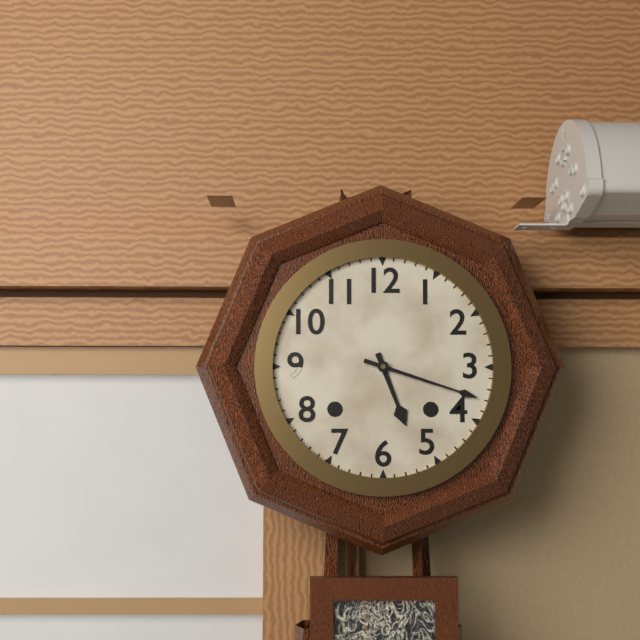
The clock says h=5 m=18
